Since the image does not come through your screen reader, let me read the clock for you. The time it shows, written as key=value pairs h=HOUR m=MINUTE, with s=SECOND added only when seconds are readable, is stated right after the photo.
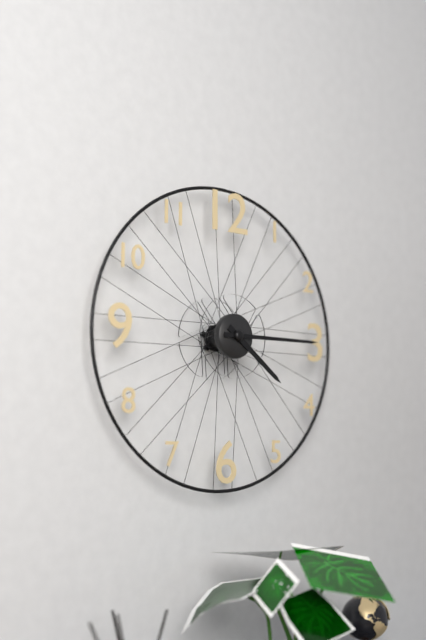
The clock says h=4 m=15
